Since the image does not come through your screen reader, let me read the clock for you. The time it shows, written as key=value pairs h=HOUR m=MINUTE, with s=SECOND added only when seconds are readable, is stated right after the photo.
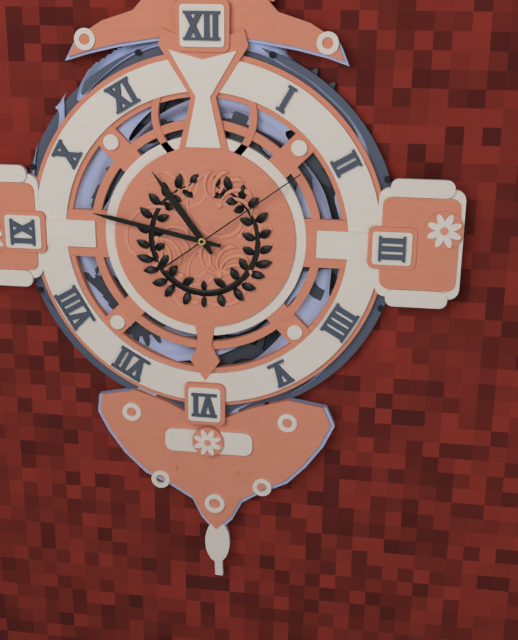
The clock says h=10 m=47 s=9
